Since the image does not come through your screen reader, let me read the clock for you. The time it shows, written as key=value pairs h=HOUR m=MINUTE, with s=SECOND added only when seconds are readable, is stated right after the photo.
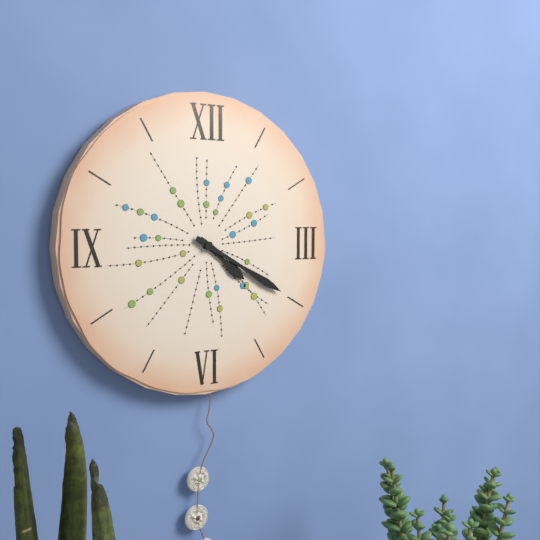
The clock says h=4 m=20
